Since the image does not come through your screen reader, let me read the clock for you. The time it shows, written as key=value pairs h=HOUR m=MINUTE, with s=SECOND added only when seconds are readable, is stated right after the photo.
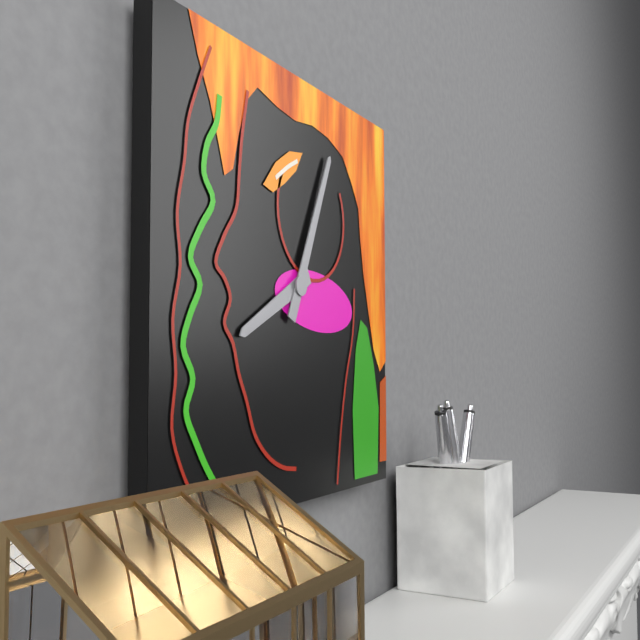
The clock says h=8 m=4
